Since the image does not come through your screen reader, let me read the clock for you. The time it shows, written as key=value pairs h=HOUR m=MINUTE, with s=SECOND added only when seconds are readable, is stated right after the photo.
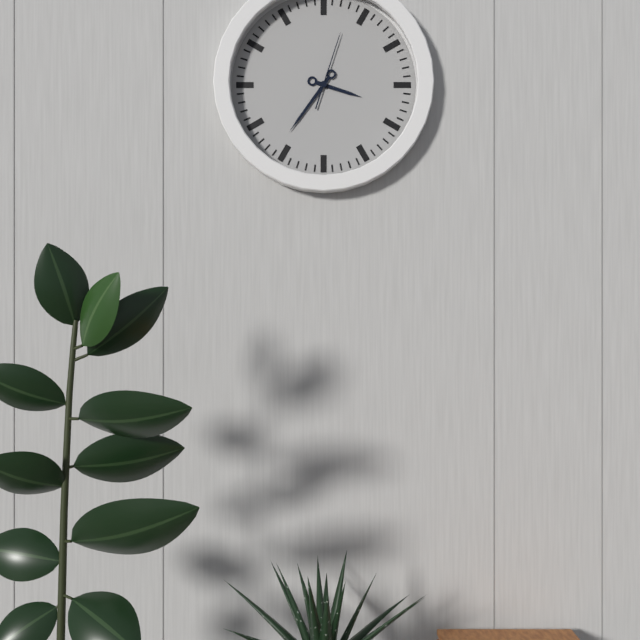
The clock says h=3 m=36 s=3
